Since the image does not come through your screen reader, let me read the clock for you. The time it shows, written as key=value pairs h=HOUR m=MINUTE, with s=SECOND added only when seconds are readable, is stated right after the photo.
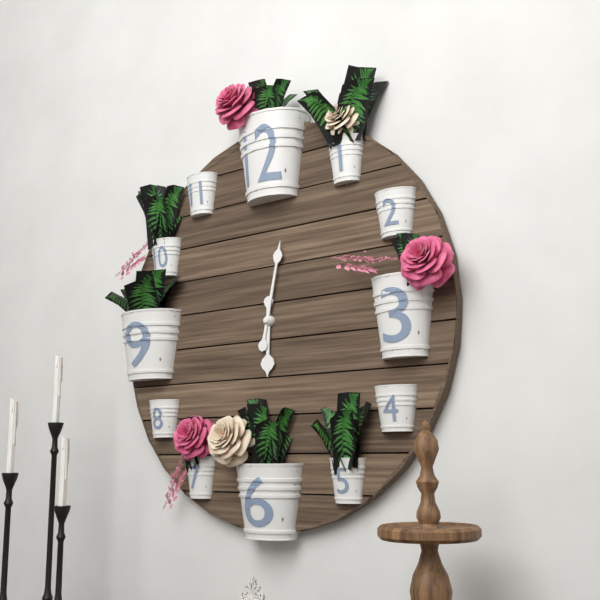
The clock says h=6 m=2
